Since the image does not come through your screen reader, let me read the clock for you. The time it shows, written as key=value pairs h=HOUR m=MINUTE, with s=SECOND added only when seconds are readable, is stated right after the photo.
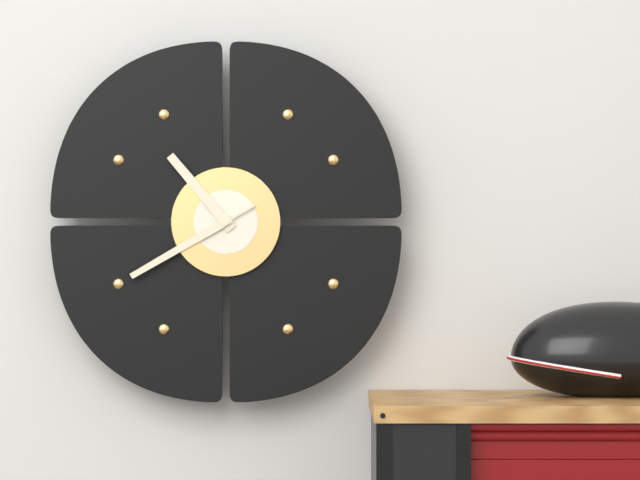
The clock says h=10 m=40
